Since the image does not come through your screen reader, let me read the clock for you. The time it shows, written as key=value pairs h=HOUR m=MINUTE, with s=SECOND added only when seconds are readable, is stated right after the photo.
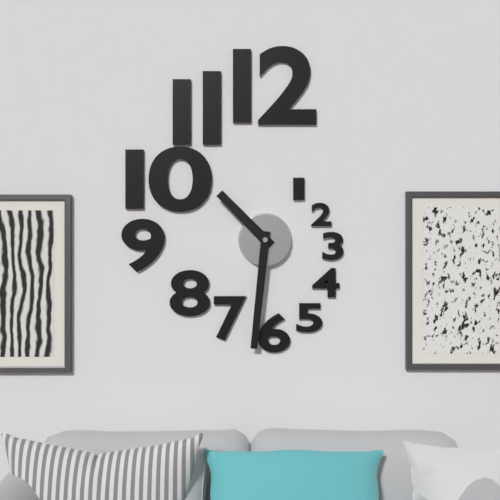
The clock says h=10 m=31
